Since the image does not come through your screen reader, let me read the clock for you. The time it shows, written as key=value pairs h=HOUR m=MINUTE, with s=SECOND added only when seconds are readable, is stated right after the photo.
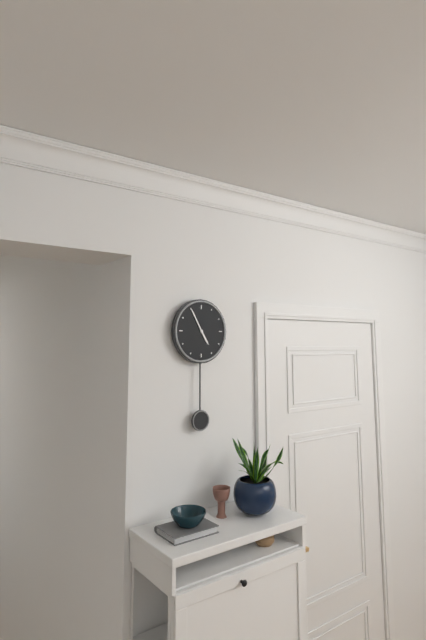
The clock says h=4 m=55
